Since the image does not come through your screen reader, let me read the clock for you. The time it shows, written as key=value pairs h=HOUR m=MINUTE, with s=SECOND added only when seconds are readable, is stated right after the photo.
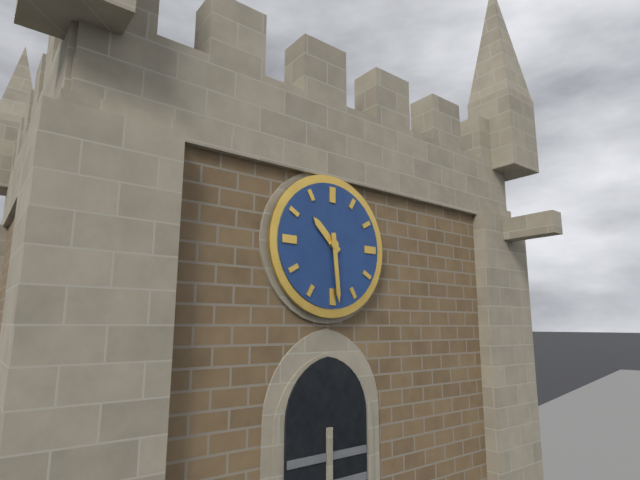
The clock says h=10 m=29
